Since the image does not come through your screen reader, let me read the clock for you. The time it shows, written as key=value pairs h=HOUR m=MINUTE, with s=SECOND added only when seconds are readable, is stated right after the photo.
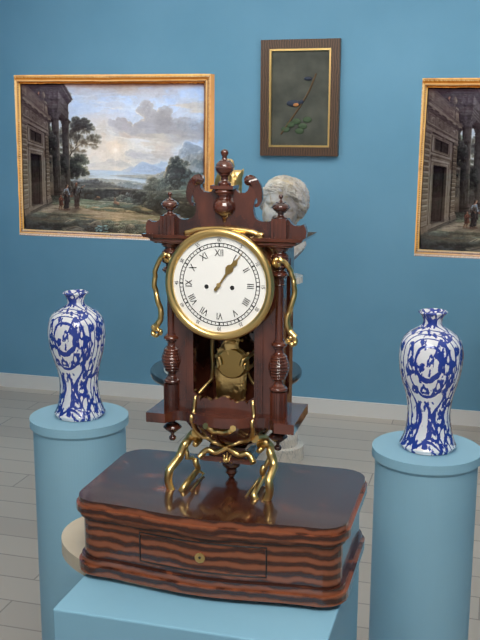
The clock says h=1 m=6
